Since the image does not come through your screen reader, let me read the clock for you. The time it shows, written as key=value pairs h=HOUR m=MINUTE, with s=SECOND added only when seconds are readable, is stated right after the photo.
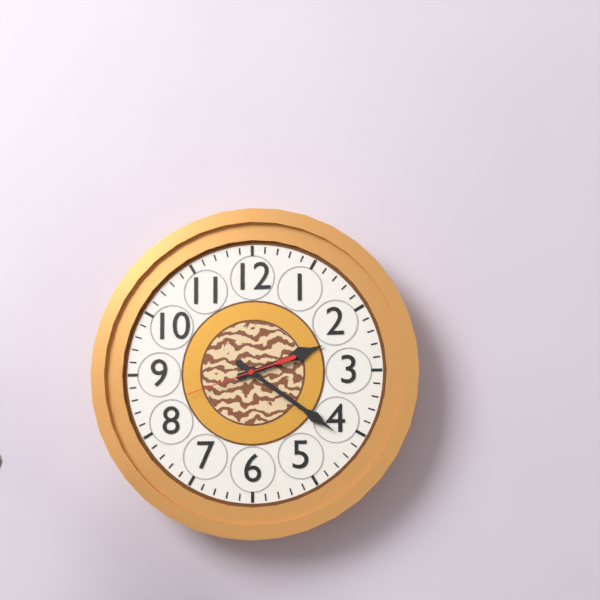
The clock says h=2 m=21 s=42
